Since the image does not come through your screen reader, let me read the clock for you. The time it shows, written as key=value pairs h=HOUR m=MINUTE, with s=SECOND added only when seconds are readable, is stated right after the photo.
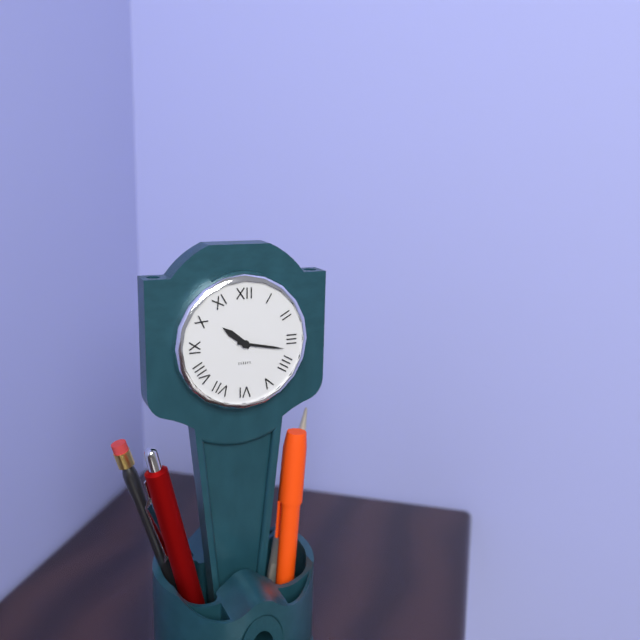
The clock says h=10 m=17
